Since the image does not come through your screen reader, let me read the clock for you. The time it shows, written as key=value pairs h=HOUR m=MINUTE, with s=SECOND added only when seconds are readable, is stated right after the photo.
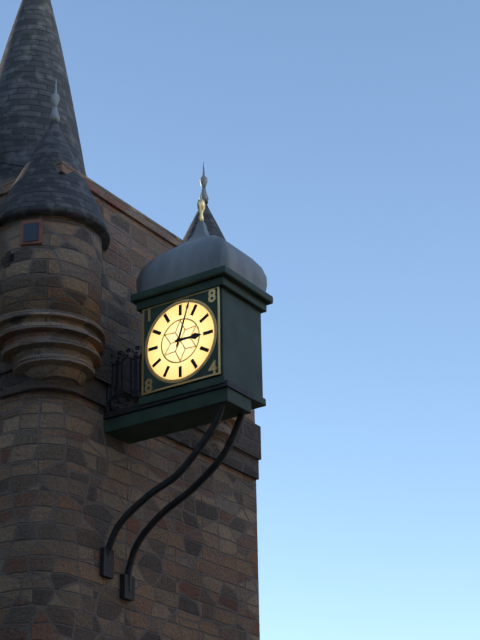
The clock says h=3 m=3
